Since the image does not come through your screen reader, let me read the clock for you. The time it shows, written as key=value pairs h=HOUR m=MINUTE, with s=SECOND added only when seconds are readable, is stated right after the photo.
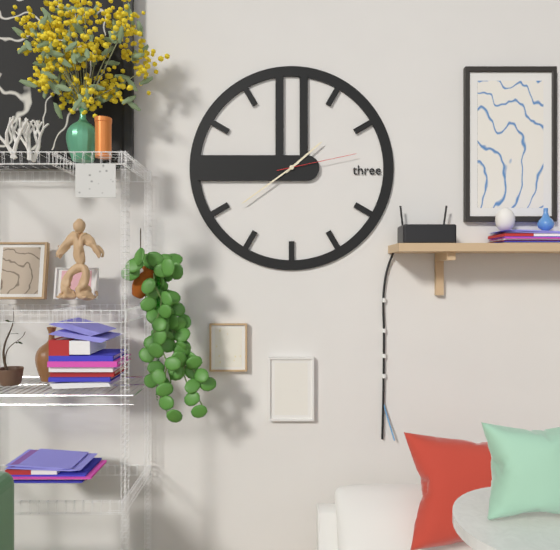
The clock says h=1 m=39 s=13
